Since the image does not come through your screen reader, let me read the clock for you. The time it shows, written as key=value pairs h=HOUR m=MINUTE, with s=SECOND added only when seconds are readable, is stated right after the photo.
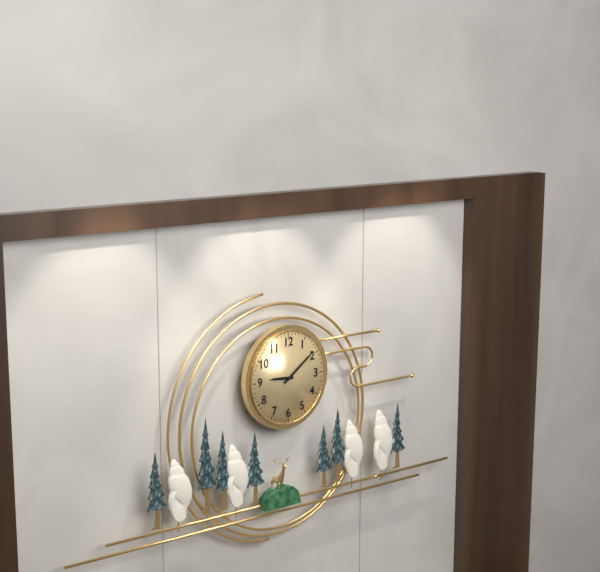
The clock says h=9 m=9
